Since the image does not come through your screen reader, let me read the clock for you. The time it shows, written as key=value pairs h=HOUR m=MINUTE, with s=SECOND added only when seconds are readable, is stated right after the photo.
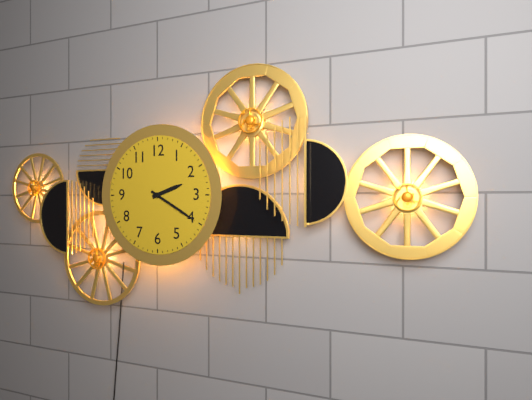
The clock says h=2 m=20
